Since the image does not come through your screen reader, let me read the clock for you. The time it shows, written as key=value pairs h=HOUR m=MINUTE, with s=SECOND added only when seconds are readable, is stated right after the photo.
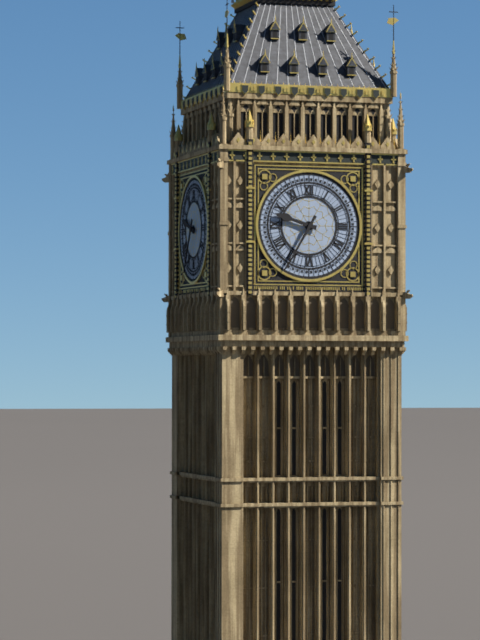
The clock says h=9 m=35
